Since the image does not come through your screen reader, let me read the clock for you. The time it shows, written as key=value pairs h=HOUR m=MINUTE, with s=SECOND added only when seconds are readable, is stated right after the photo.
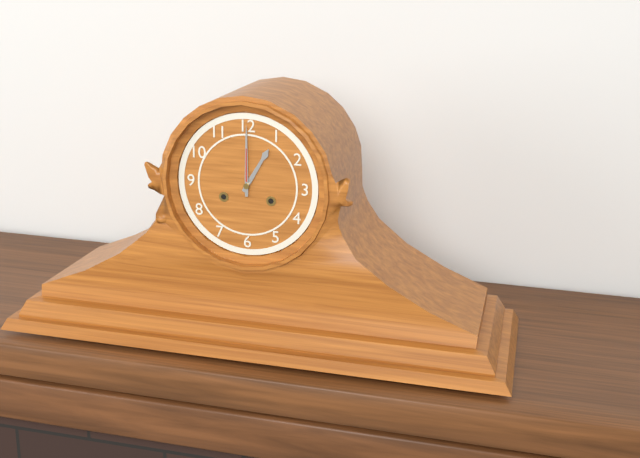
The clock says h=1 m=0
